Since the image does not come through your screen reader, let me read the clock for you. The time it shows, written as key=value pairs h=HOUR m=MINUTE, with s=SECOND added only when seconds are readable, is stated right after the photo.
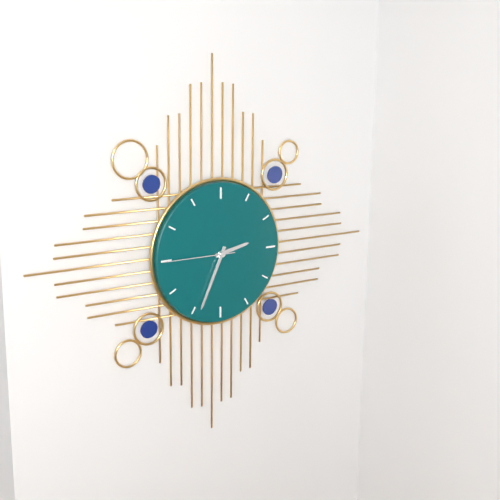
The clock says h=2 m=34 s=45
